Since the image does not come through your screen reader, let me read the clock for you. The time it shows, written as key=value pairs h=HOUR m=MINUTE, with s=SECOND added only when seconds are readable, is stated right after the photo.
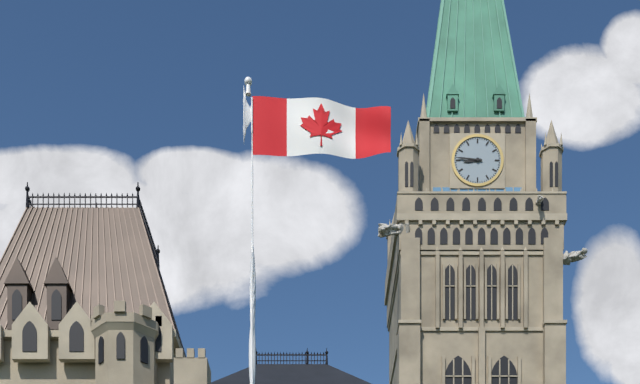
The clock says h=8 m=46
